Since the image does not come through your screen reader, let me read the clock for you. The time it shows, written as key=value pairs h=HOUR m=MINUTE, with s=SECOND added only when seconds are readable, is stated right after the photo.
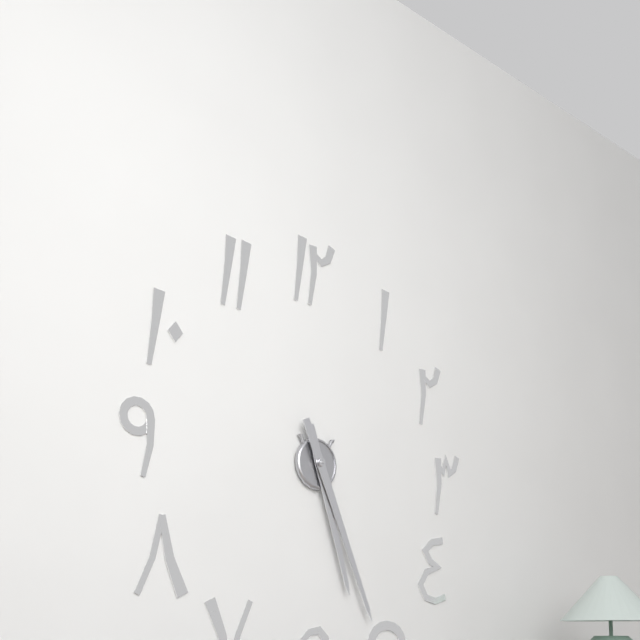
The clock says h=5 m=26
